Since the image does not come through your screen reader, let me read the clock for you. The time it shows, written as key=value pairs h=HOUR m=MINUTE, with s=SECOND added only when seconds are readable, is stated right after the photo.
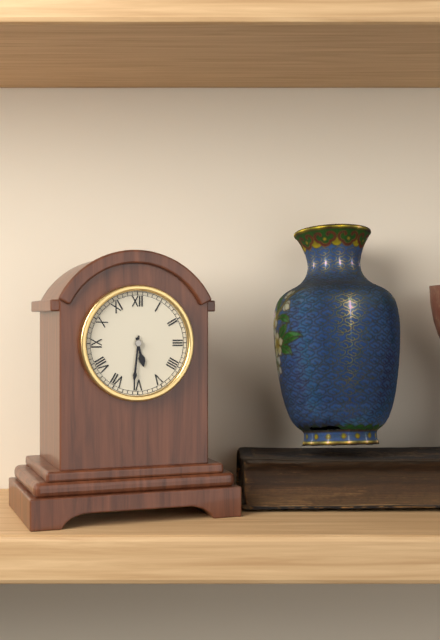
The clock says h=5 m=31
